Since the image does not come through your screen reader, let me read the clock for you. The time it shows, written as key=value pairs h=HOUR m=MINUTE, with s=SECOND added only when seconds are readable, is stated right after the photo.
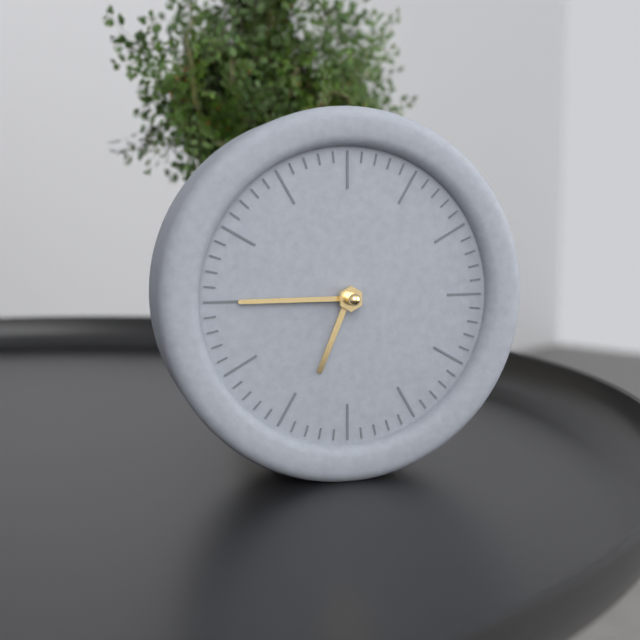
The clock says h=6 m=45
